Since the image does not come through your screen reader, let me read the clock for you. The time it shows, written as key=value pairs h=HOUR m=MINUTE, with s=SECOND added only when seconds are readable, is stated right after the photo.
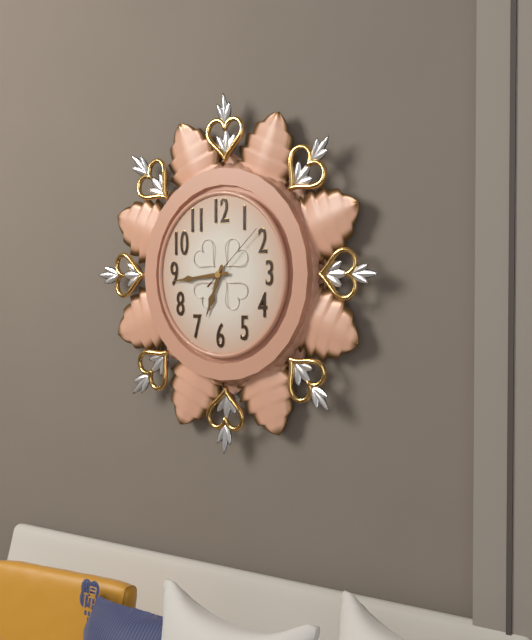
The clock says h=6 m=44 s=8
